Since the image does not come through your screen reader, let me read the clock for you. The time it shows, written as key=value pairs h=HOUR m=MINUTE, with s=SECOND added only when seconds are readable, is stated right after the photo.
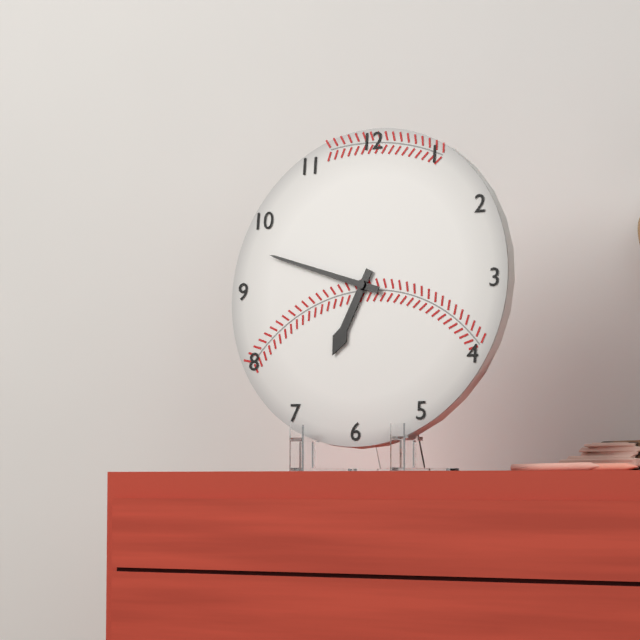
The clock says h=6 m=48
